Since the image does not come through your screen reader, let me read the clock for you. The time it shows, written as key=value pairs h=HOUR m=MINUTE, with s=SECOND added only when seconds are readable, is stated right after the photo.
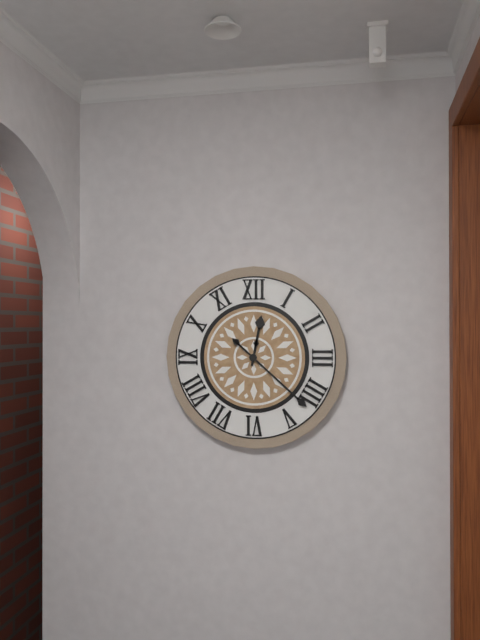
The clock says h=12 m=22
